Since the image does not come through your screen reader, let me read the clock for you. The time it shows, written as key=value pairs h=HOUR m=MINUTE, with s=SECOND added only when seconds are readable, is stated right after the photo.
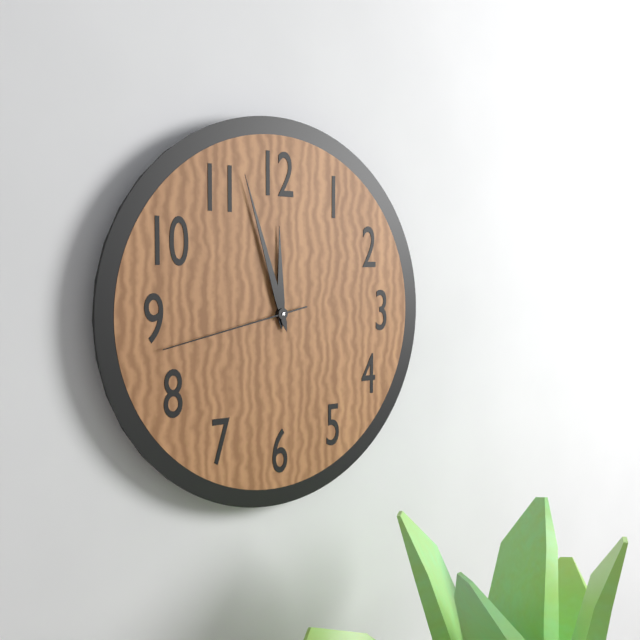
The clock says h=11 m=57 s=43
